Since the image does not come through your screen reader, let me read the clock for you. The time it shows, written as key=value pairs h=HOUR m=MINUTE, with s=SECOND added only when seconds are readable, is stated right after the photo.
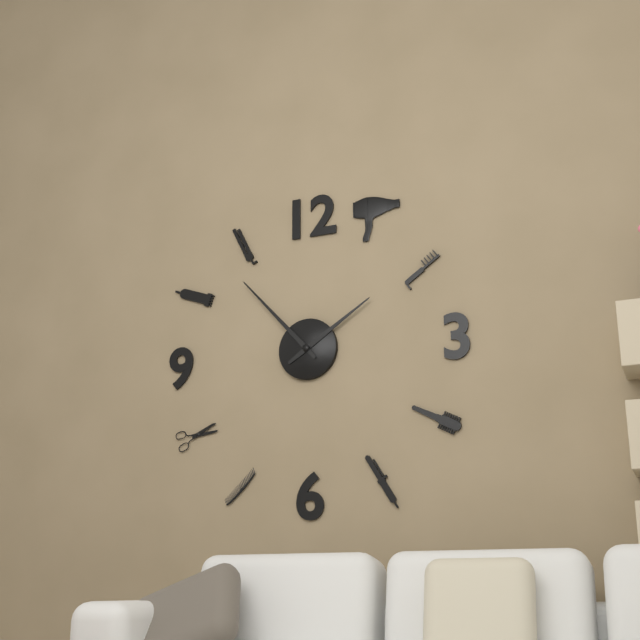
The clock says h=1 m=53
